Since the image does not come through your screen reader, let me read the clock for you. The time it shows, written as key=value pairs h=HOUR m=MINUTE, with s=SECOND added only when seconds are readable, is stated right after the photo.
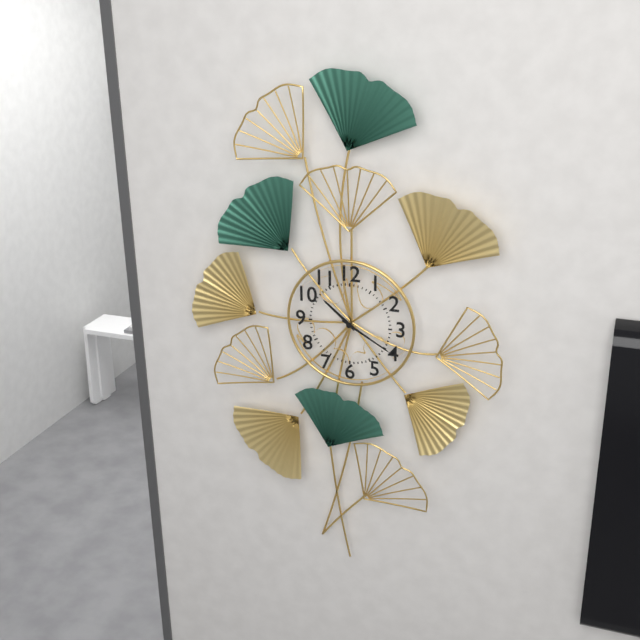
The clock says h=10 m=20
